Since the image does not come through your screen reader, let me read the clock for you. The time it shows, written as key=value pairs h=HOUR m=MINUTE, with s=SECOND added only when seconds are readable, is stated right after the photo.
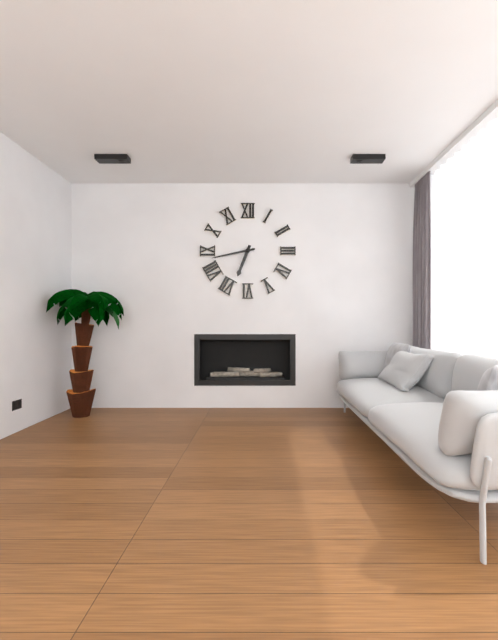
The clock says h=6 m=43
